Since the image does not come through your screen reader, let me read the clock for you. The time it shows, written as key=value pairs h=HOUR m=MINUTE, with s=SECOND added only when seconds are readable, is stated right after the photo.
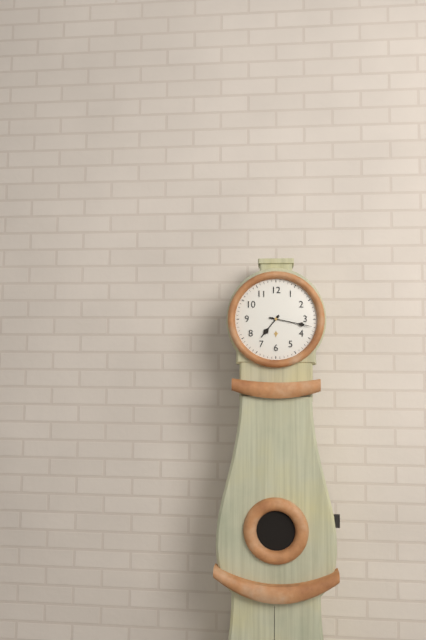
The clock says h=7 m=17
